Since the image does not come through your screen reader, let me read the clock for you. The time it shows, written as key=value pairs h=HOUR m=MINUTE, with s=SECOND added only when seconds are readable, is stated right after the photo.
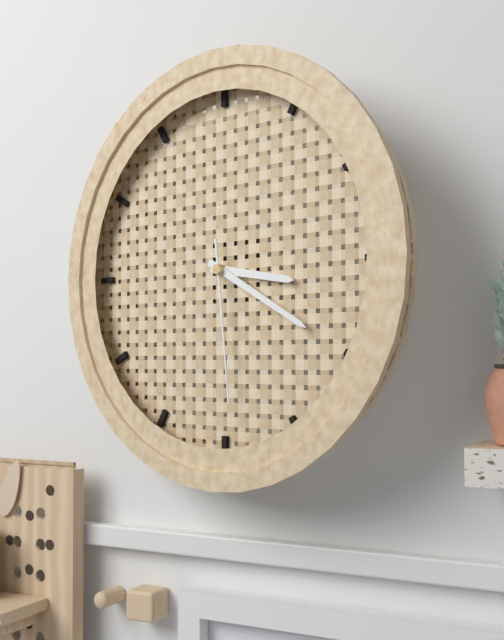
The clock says h=3 m=20 s=29
